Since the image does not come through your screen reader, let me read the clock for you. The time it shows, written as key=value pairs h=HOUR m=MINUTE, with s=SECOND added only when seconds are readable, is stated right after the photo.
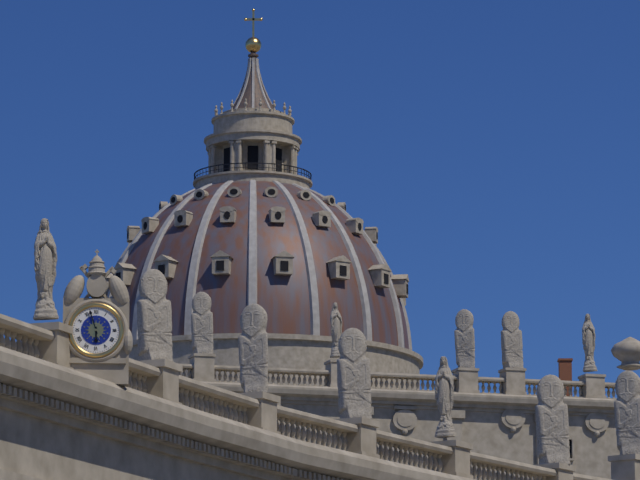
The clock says h=5 m=57
